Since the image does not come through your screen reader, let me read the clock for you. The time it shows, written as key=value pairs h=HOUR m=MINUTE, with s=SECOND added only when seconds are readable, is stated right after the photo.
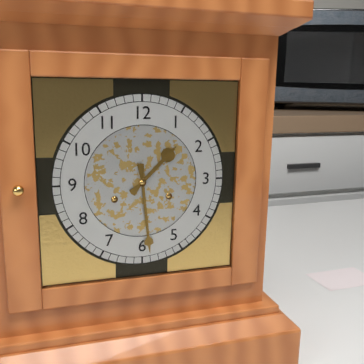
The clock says h=1 m=29
